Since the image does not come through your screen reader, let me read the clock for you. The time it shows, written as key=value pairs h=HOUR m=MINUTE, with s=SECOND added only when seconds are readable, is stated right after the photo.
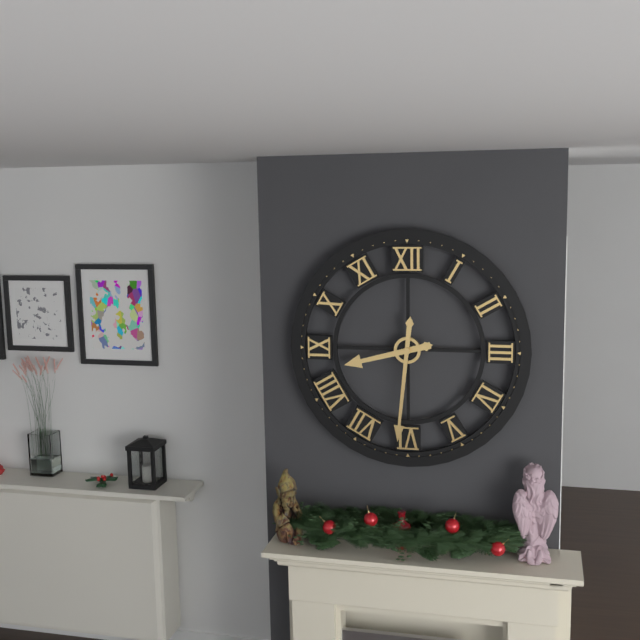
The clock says h=8 m=31
